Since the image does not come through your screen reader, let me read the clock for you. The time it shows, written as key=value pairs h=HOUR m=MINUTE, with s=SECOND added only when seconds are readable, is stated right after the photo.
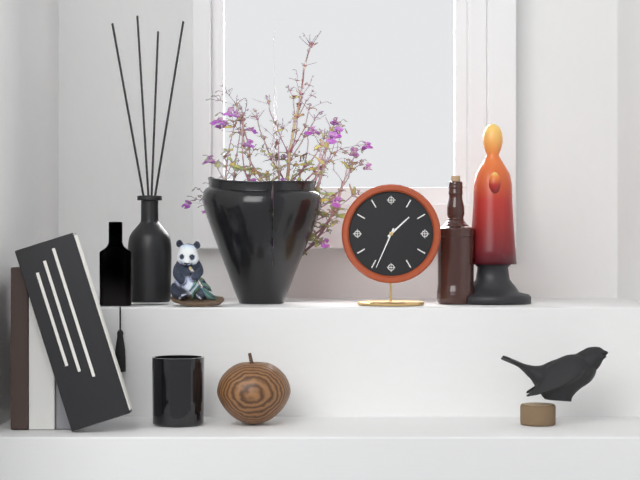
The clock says h=1 m=34
